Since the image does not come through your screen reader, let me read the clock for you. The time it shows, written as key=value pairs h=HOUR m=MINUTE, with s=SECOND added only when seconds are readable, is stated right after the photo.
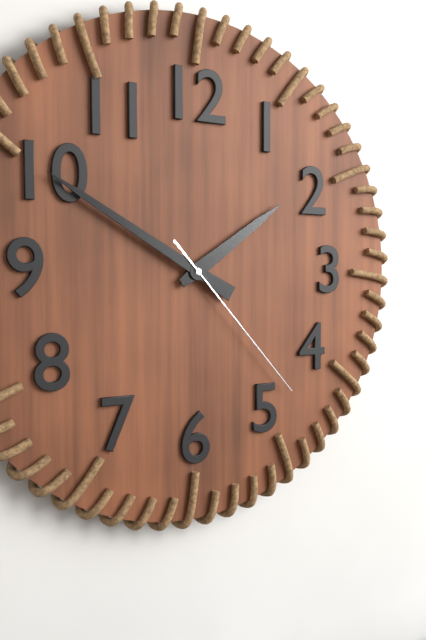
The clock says h=1 m=50 s=23
